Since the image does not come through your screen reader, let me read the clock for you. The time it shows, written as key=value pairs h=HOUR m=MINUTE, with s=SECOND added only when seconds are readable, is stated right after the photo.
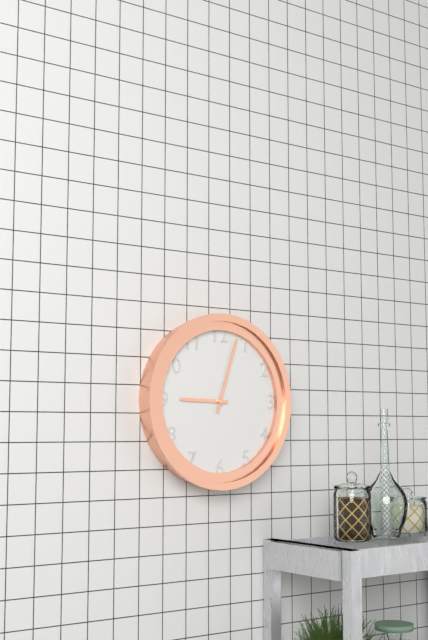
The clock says h=9 m=3
